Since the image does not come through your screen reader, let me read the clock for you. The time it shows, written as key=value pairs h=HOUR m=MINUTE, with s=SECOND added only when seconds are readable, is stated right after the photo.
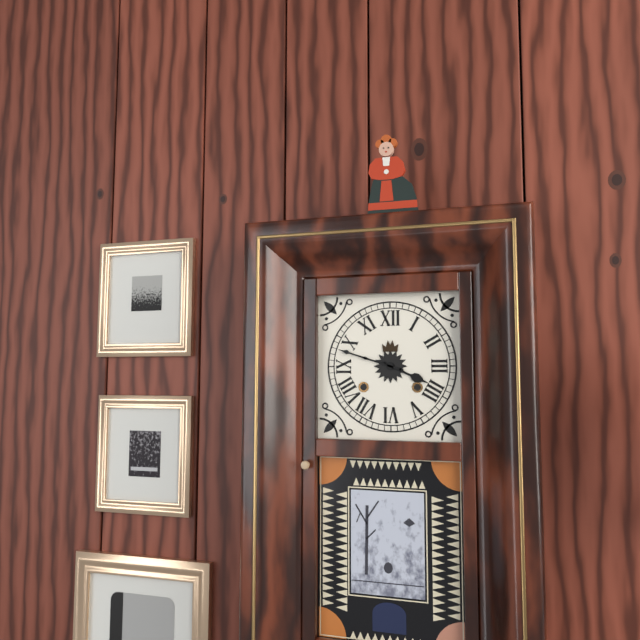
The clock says h=3 m=48
